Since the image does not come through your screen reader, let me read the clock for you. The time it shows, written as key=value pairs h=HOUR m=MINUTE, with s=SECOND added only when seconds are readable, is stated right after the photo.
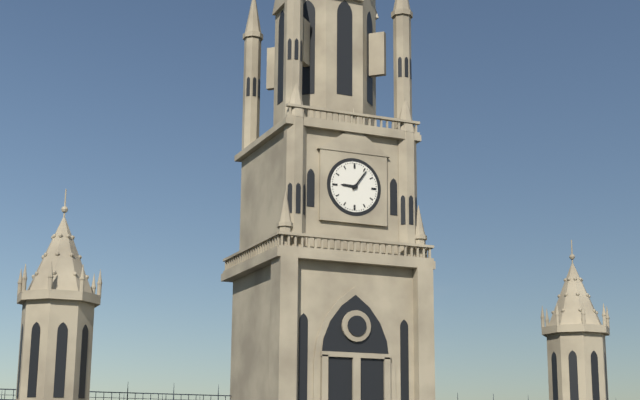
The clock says h=9 m=6
